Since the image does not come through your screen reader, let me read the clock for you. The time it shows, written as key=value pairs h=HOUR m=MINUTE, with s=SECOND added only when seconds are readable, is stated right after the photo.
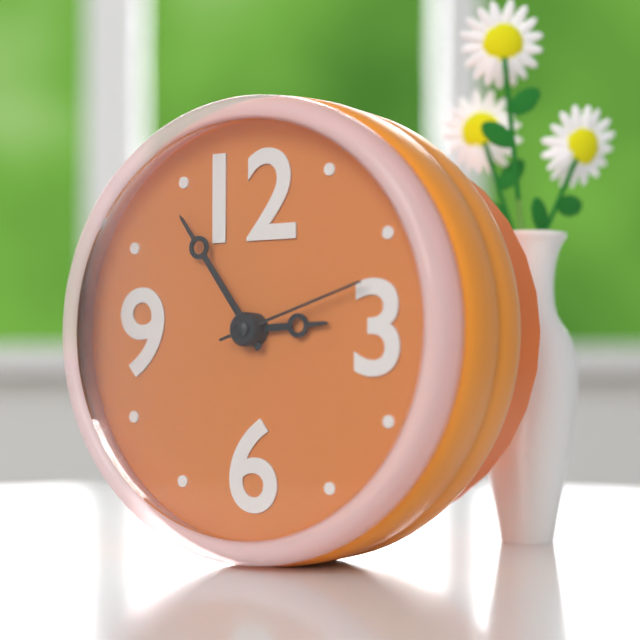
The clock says h=2 m=54 s=12
